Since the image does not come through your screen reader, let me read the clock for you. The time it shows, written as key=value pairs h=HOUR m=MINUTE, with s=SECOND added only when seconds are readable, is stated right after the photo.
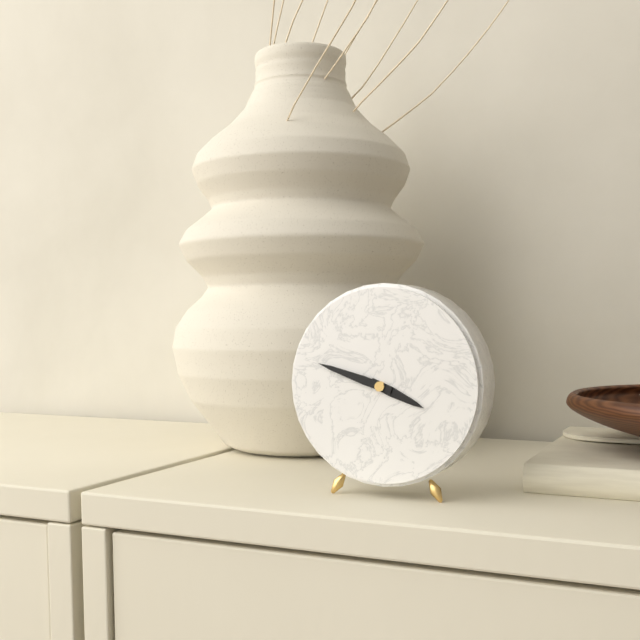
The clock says h=3 m=48
